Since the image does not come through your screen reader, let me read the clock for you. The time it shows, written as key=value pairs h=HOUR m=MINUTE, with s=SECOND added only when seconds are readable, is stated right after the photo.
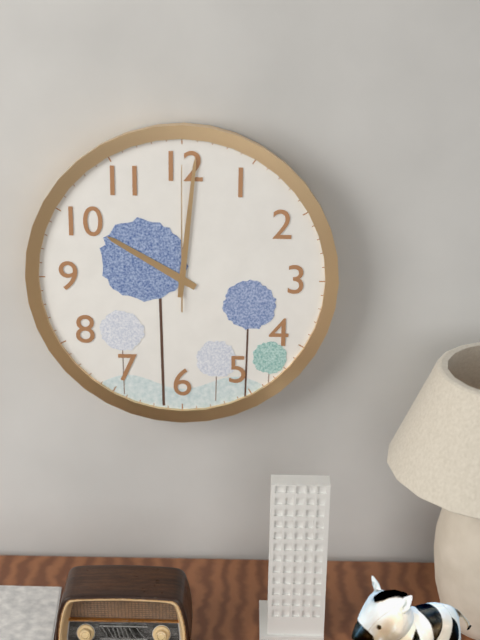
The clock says h=10 m=1 s=0
